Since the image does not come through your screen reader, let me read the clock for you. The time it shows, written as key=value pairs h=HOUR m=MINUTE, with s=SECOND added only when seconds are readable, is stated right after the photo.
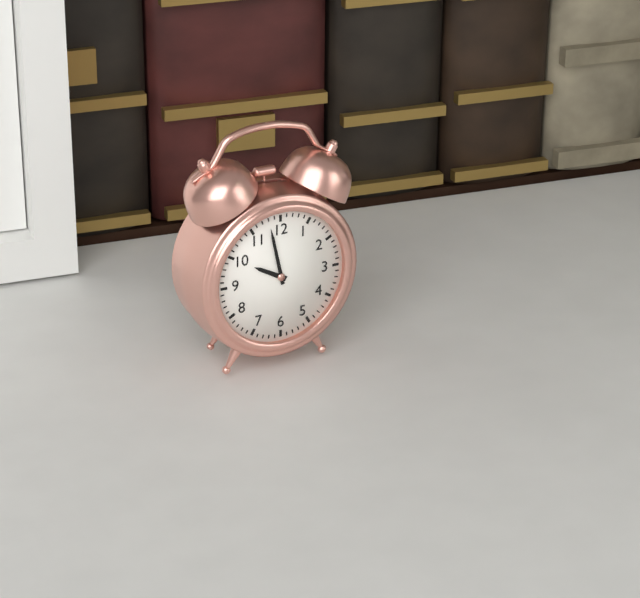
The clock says h=9 m=58
